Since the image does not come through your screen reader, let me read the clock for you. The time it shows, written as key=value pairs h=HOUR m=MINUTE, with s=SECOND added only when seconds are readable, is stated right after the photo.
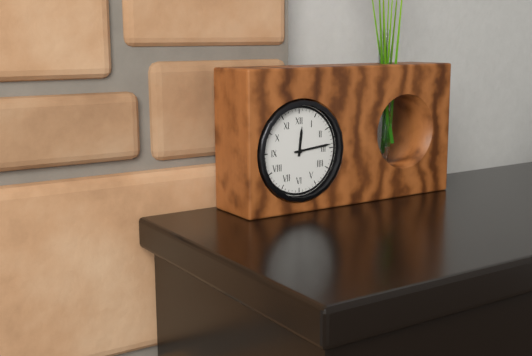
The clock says h=12 m=14
